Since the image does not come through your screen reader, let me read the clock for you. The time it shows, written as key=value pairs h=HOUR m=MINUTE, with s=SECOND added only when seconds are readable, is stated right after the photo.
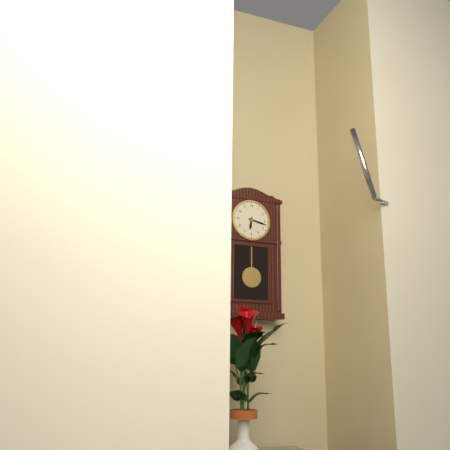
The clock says h=6 m=17
